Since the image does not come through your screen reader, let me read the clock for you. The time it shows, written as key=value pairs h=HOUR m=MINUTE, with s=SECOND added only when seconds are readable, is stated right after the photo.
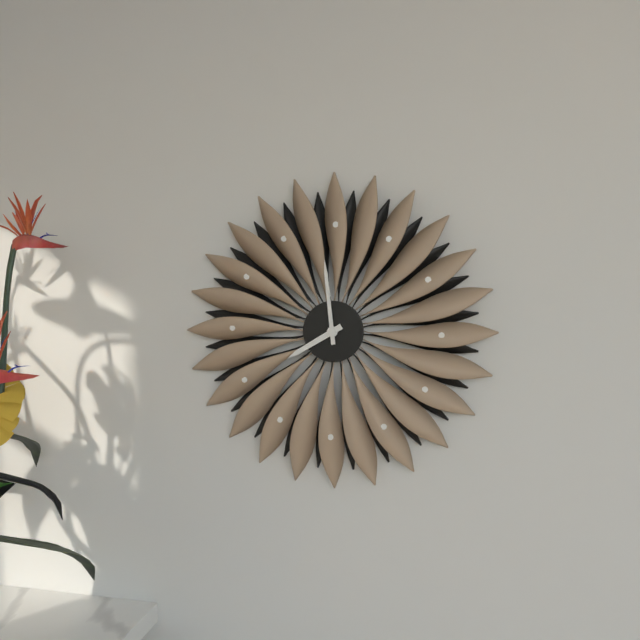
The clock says h=7 m=59
